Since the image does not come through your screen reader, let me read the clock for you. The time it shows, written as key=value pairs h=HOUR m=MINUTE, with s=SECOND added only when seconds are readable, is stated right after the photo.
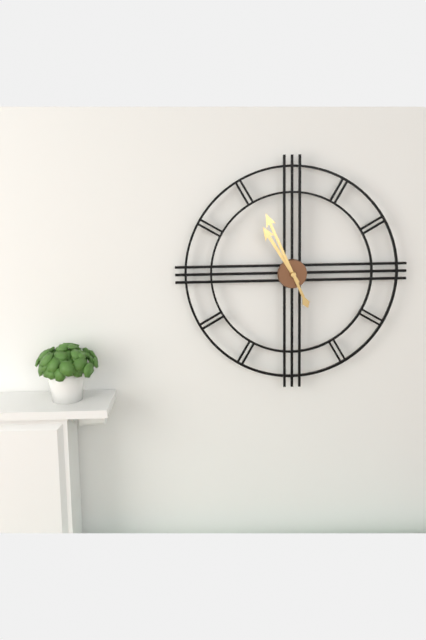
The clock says h=10 m=56
